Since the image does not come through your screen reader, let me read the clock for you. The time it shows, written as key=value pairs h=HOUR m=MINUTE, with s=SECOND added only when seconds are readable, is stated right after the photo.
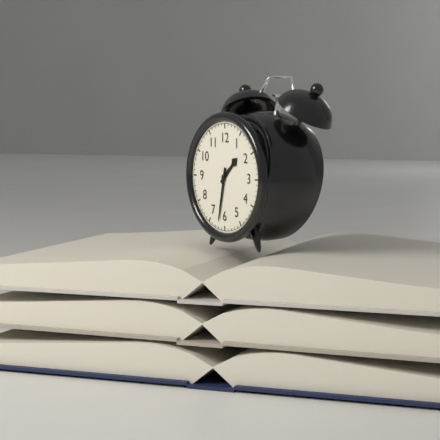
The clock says h=1 m=32
